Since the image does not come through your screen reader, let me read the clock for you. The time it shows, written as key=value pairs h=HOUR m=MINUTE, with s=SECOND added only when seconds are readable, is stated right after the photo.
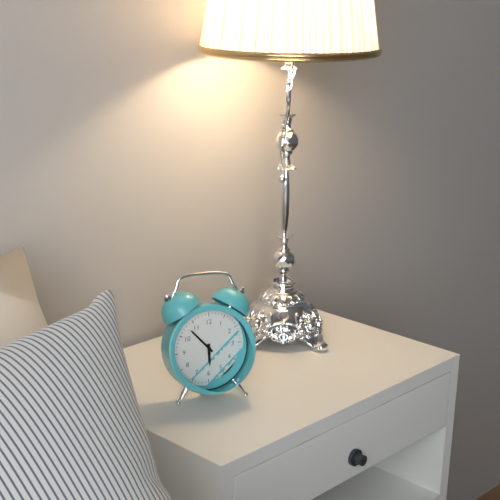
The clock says h=5 m=53
